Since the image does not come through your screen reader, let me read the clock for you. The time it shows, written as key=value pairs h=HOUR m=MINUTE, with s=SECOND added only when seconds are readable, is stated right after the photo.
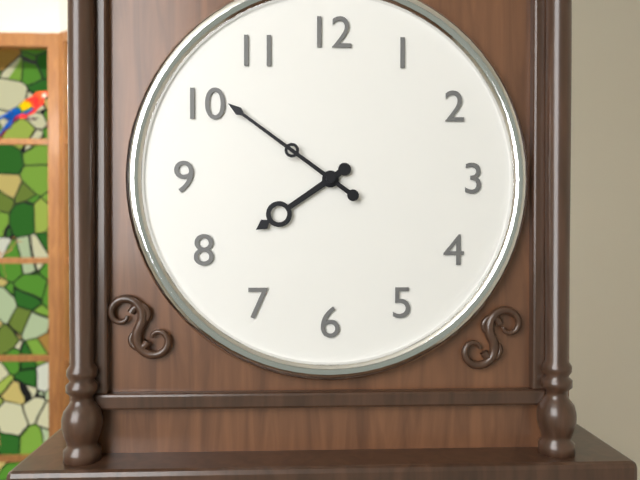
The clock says h=7 m=51
